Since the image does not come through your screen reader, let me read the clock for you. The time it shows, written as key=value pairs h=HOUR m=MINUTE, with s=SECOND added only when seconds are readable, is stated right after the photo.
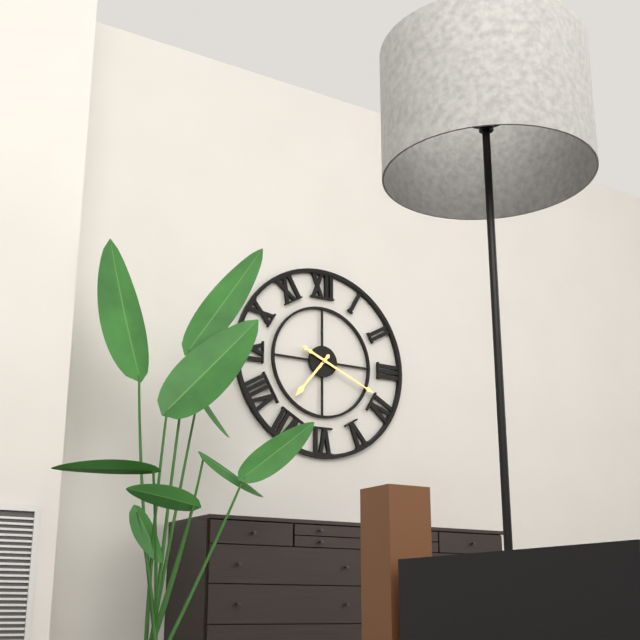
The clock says h=7 m=19
